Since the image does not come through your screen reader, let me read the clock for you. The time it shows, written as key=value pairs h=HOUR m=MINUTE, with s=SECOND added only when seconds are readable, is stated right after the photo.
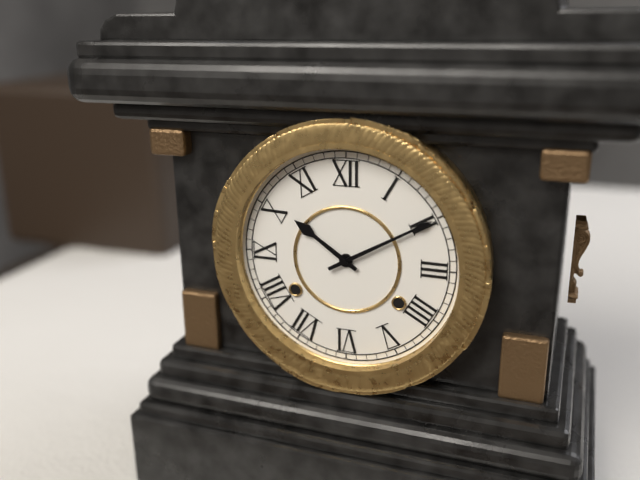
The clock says h=10 m=10
